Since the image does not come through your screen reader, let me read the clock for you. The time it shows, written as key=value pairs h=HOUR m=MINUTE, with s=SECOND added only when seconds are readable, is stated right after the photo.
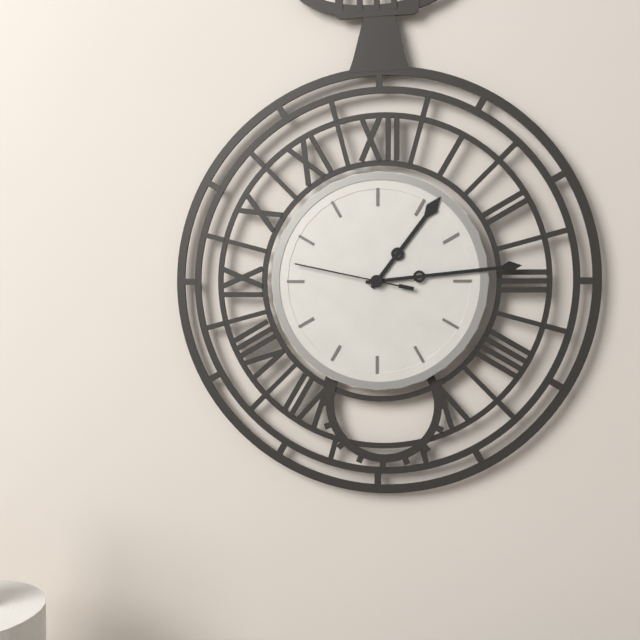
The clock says h=1 m=14 s=47
